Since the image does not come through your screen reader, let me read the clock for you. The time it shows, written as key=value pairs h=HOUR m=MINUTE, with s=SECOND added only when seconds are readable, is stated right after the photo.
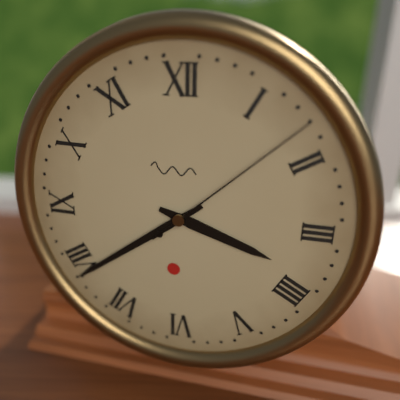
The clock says h=3 m=39 s=8
